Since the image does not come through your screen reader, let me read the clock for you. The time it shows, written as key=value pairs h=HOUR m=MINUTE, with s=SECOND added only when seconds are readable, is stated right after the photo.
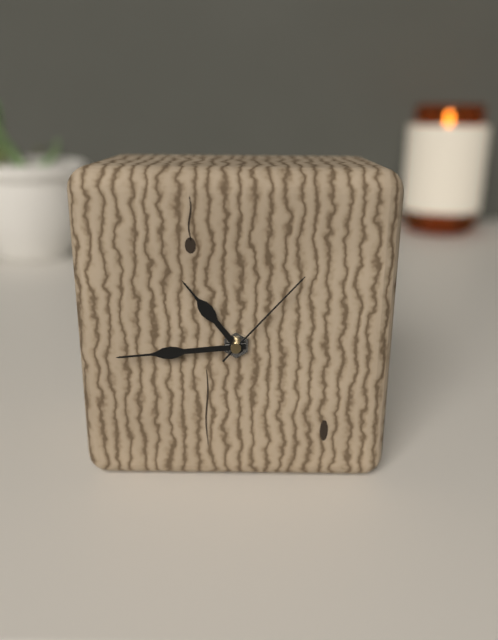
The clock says h=10 m=44 s=7
